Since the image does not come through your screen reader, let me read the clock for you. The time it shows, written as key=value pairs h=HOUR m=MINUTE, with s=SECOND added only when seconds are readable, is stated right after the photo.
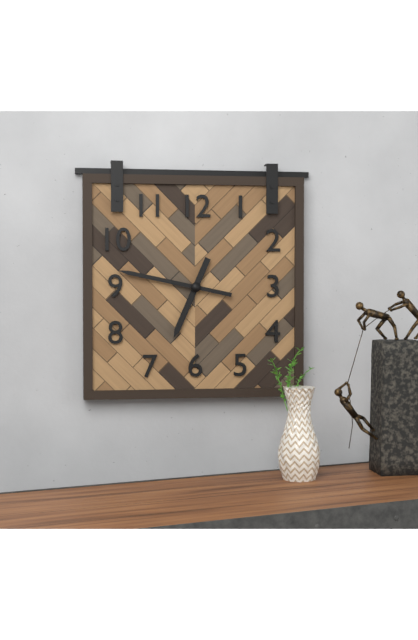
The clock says h=6 m=47
